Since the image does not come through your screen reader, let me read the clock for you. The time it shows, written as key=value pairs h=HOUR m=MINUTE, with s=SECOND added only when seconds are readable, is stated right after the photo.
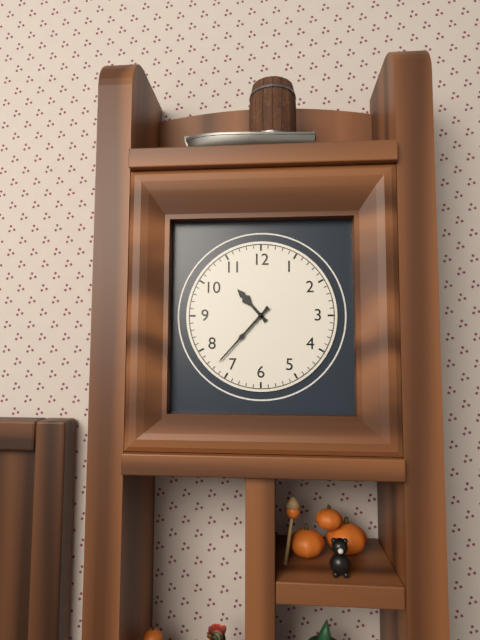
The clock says h=10 m=37
